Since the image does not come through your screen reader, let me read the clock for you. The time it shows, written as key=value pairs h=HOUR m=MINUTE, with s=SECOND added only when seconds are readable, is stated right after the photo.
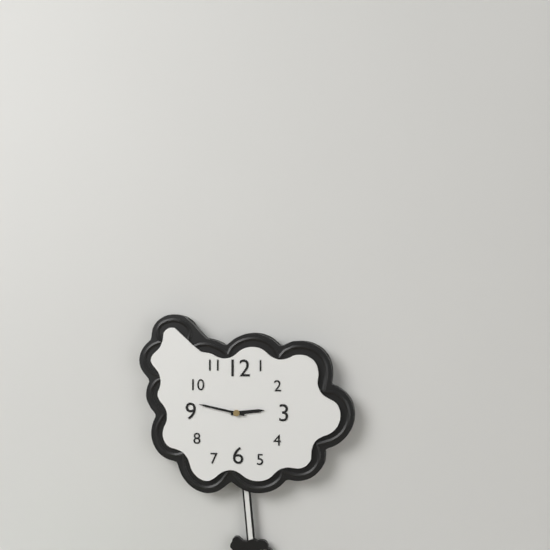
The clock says h=2 m=47
